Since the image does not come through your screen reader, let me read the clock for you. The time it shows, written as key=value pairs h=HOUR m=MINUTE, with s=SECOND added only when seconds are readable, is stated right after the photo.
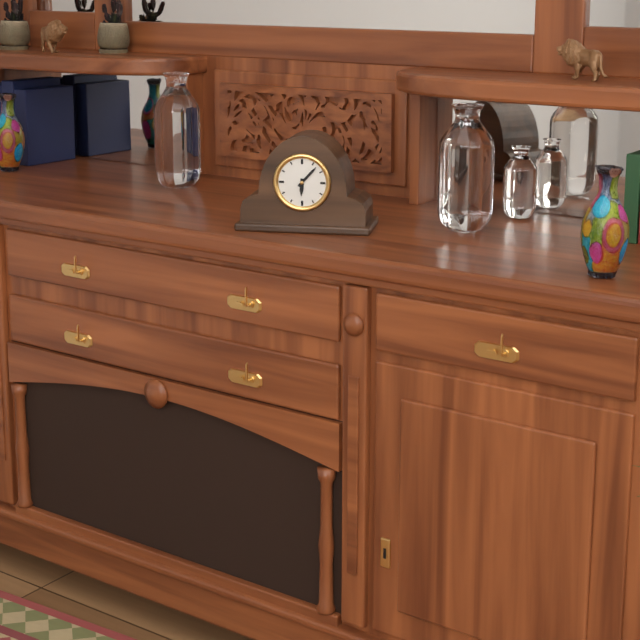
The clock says h=6 m=7
